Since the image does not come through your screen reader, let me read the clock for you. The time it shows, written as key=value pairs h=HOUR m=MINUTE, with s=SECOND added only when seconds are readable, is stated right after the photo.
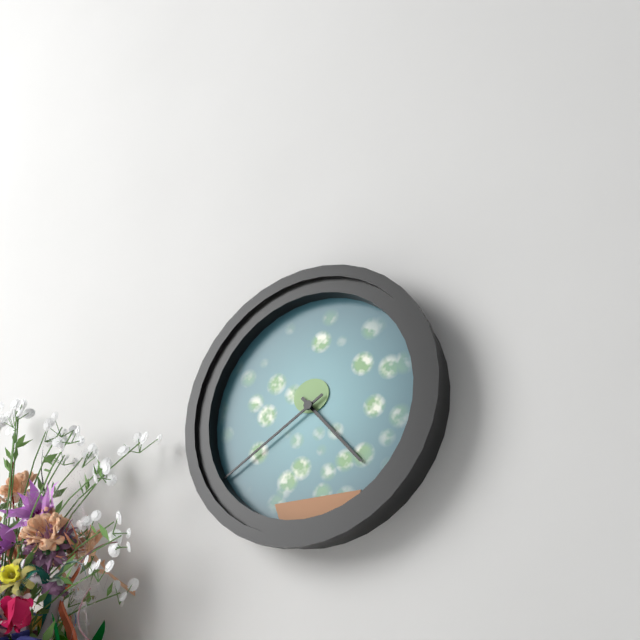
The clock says h=4 m=40
